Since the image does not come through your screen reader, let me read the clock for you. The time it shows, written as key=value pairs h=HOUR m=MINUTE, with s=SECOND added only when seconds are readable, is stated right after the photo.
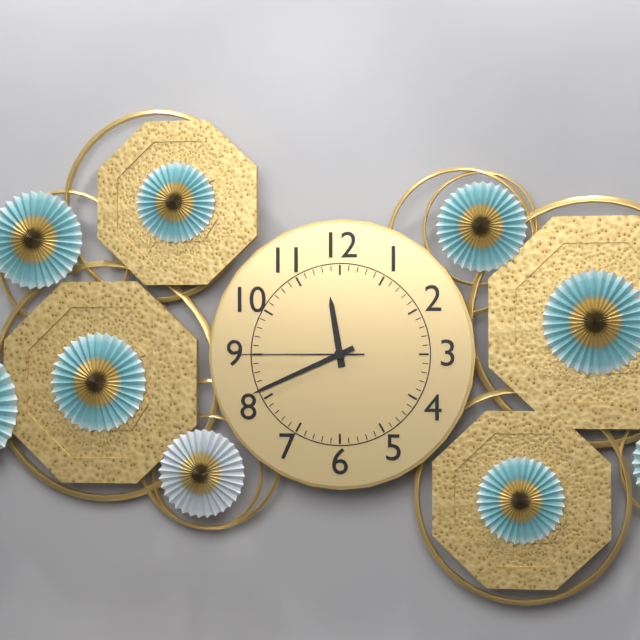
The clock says h=11 m=41 s=45
